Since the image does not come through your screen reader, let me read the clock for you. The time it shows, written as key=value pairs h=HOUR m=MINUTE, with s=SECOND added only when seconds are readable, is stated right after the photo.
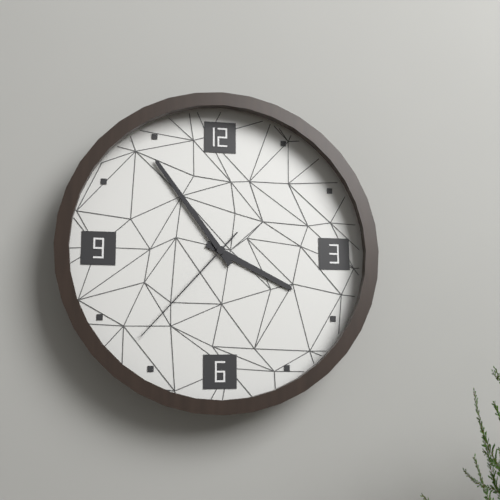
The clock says h=3 m=54 s=37
